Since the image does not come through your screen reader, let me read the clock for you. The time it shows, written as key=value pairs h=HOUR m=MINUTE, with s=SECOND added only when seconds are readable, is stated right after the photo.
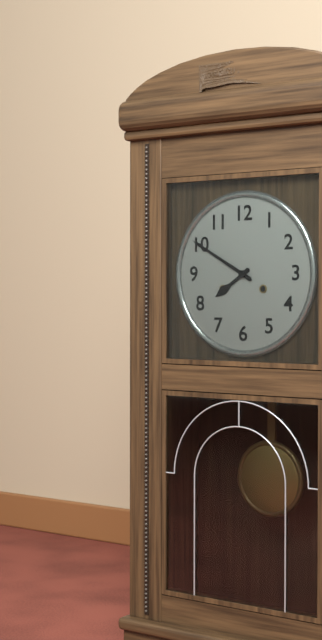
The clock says h=7 m=50
